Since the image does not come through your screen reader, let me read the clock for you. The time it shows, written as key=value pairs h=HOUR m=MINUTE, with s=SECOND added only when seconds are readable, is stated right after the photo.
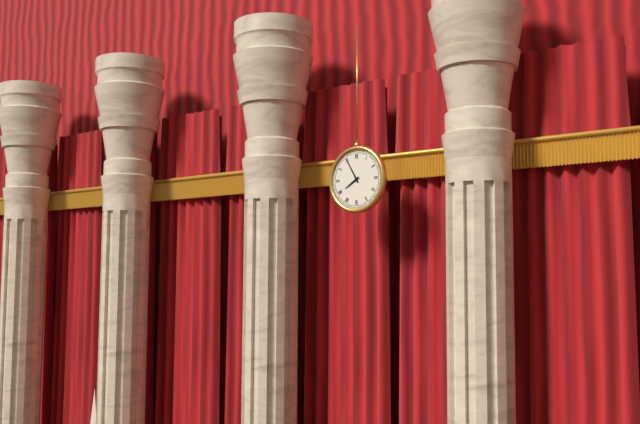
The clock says h=7 m=55
